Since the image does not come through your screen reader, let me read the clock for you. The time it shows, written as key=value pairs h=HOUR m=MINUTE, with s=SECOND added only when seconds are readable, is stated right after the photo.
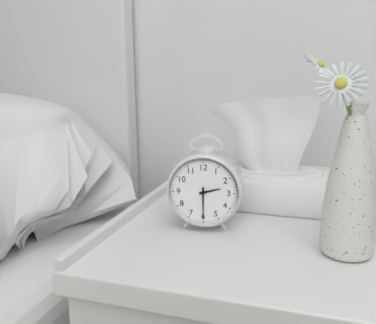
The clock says h=2 m=30
